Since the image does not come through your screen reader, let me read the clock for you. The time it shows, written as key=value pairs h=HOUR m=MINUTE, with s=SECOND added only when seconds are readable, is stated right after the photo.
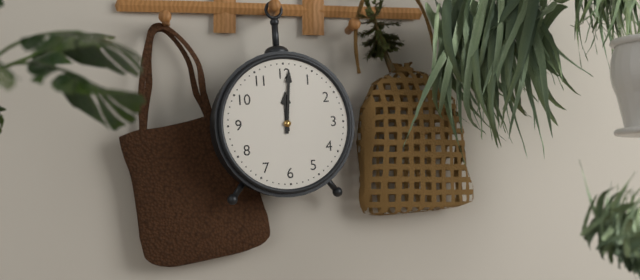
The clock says h=12 m=1
